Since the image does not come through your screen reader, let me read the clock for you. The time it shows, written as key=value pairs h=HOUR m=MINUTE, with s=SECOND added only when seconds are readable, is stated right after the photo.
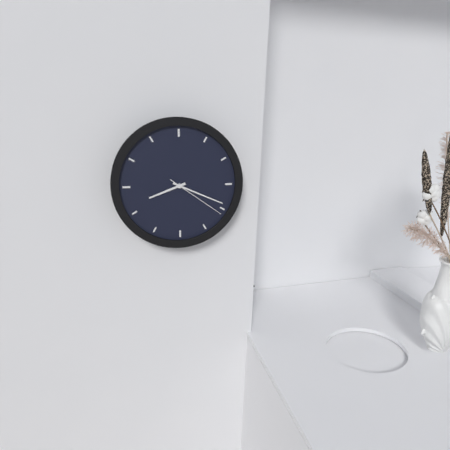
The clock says h=8 m=19 s=21
